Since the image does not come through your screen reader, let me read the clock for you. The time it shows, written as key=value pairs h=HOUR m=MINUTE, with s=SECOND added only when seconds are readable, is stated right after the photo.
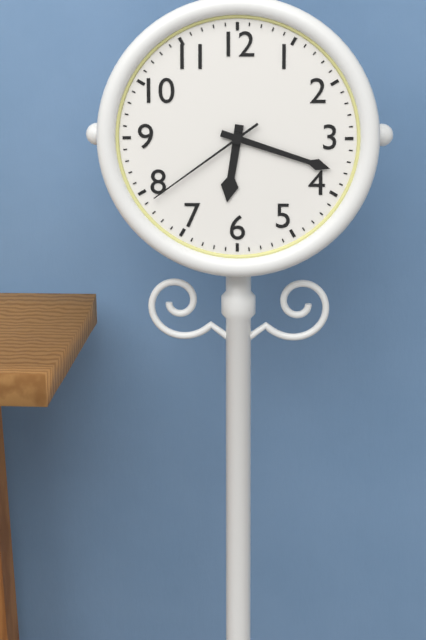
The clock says h=6 m=18 s=39
